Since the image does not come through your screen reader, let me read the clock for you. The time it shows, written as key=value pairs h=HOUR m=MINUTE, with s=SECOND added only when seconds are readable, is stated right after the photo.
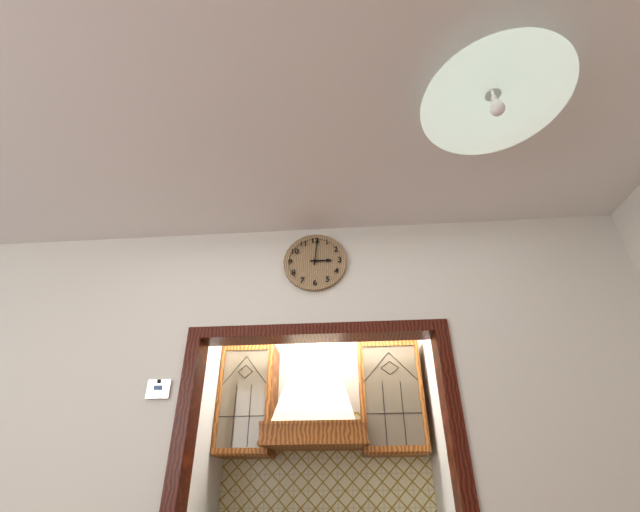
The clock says h=3 m=1
